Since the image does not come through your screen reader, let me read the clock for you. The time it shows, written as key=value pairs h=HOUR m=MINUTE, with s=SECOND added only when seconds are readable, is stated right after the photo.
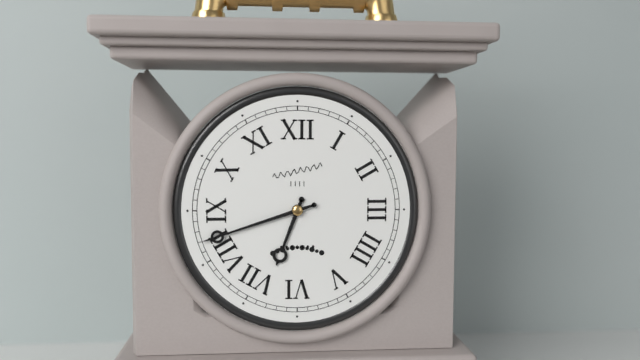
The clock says h=6 m=42
